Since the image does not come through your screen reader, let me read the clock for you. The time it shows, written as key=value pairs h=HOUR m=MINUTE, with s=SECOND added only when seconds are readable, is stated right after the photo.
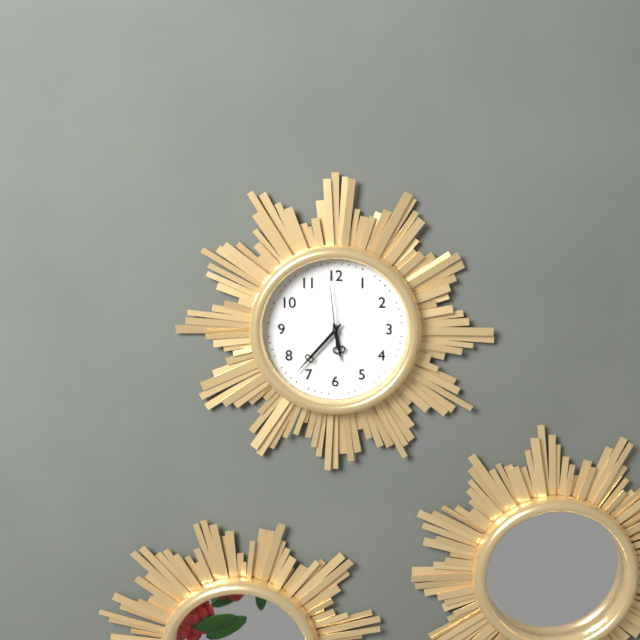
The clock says h=5 m=37 s=59
